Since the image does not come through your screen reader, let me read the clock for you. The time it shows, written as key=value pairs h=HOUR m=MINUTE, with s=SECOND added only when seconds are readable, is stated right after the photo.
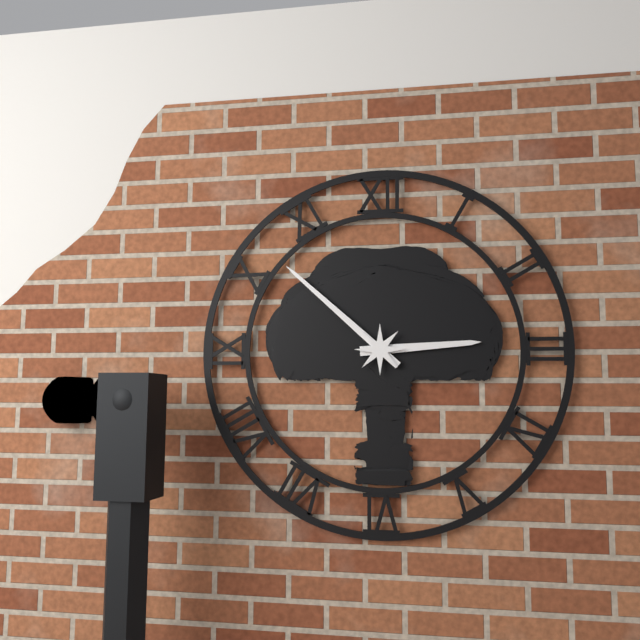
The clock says h=2 m=52
